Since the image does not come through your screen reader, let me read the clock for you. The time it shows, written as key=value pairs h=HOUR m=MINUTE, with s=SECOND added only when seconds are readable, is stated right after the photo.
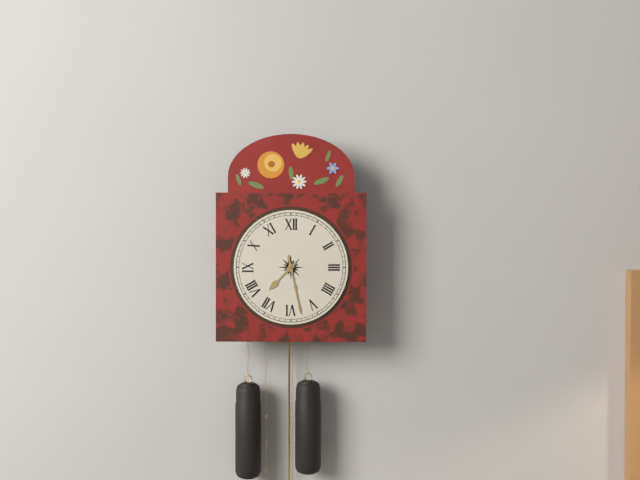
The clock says h=7 m=28
